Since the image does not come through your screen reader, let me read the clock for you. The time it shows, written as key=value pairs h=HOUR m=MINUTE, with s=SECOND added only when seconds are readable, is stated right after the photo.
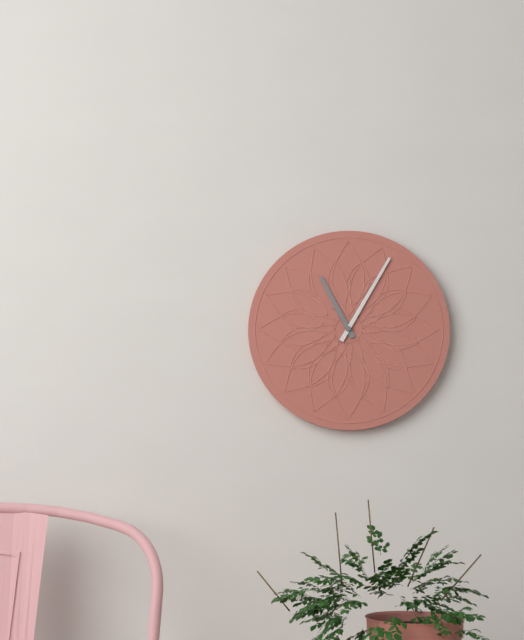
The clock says h=11 m=5
